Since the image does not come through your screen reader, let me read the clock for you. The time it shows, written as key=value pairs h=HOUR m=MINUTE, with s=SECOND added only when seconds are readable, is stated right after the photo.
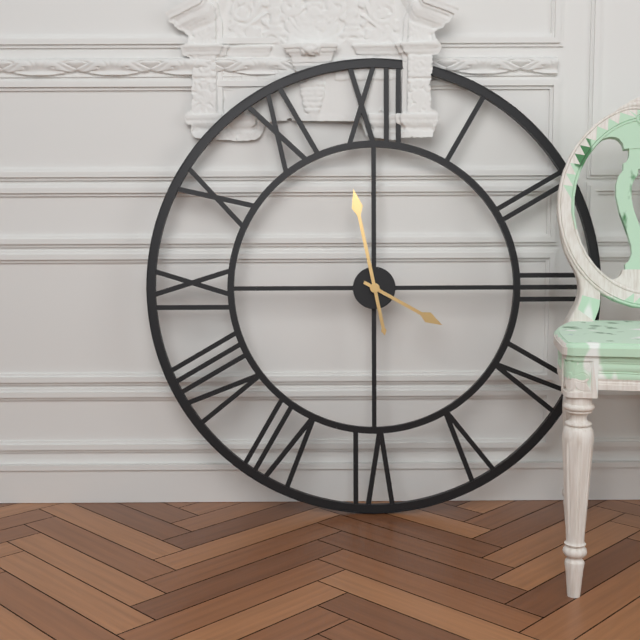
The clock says h=3 m=58
